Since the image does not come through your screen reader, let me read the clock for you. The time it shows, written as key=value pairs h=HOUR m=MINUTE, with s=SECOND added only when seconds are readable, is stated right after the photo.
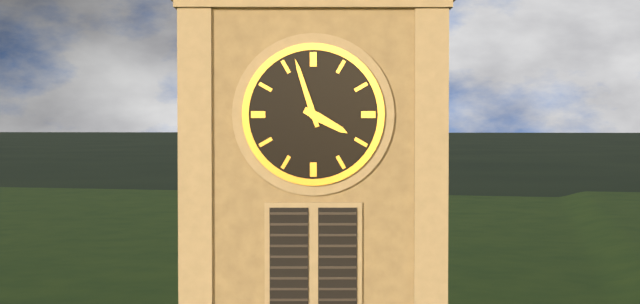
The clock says h=3 m=57
